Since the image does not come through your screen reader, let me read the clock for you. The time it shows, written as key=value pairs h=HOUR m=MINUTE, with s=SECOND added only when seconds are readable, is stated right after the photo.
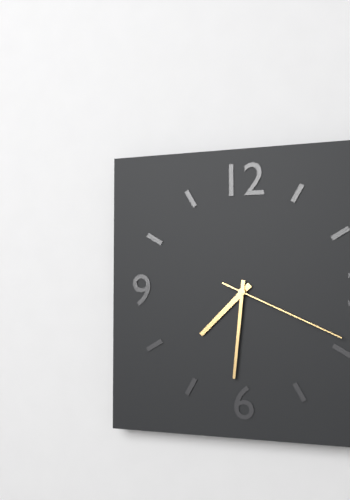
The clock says h=7 m=31 s=19
